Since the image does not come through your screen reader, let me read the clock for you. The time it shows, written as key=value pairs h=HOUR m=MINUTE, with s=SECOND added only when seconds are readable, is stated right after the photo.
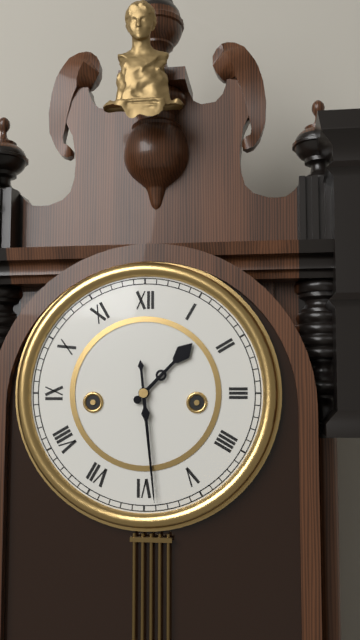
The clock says h=1 m=29
